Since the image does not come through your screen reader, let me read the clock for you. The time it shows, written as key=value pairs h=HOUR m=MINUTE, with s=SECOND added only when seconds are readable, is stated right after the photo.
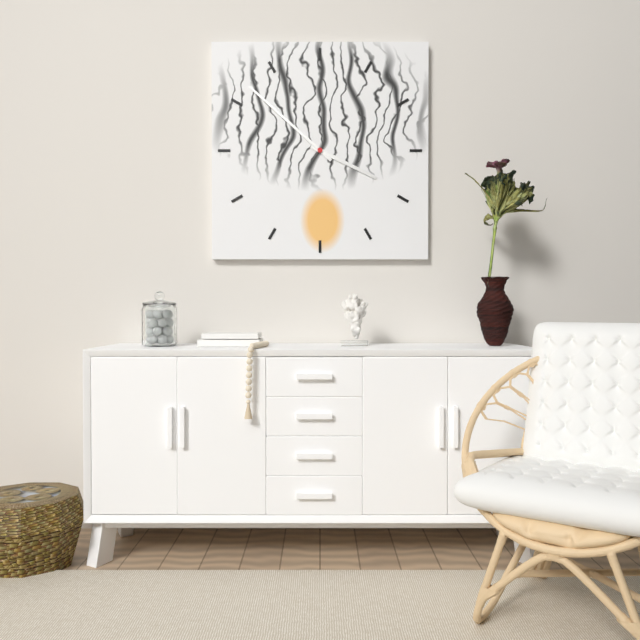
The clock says h=3 m=52
